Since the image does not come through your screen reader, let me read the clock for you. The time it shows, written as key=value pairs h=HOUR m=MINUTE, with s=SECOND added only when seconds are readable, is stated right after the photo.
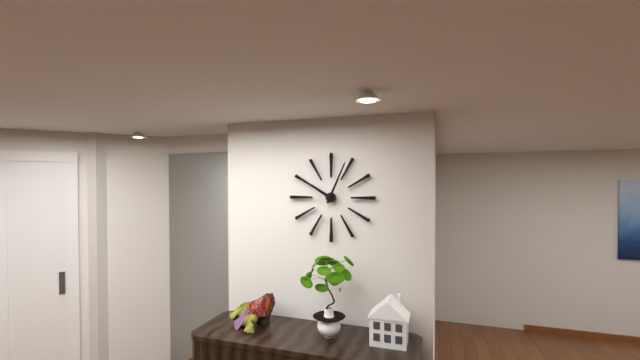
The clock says h=10 m=4
